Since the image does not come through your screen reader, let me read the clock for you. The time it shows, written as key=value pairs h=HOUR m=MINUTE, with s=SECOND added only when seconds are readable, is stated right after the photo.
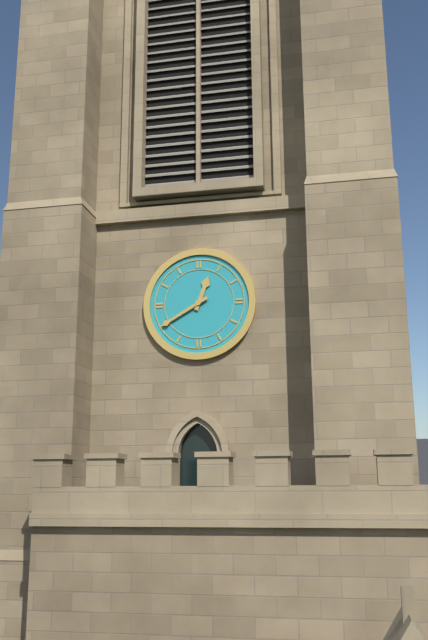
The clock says h=12 m=40
